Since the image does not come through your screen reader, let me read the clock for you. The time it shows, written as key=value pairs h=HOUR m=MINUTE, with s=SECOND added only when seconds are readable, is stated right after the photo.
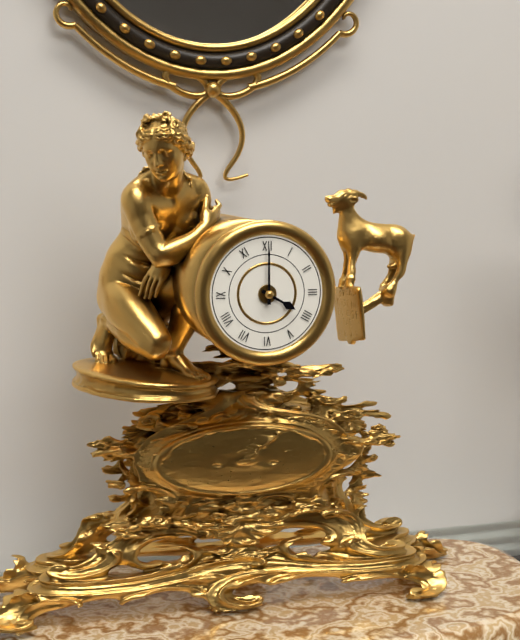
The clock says h=4 m=0
